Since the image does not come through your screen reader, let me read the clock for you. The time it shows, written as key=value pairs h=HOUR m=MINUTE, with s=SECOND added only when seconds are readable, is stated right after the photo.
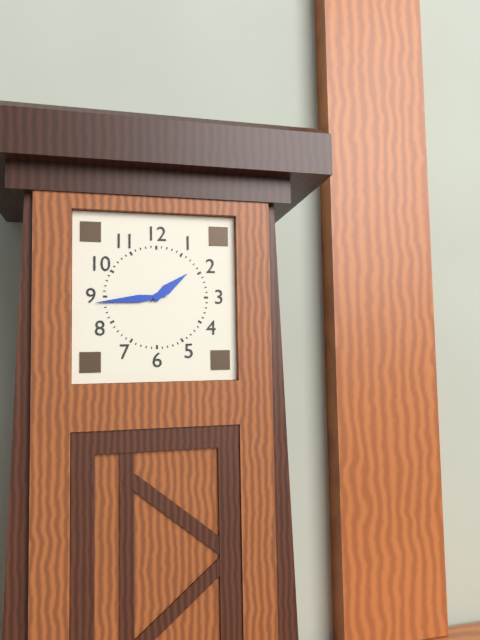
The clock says h=1 m=44
